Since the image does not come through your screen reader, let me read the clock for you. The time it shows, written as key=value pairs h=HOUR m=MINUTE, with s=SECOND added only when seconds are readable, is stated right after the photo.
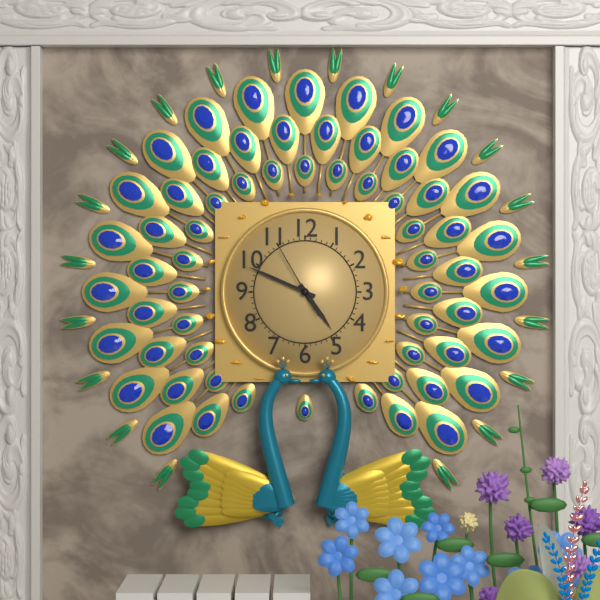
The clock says h=4 m=49 s=55
